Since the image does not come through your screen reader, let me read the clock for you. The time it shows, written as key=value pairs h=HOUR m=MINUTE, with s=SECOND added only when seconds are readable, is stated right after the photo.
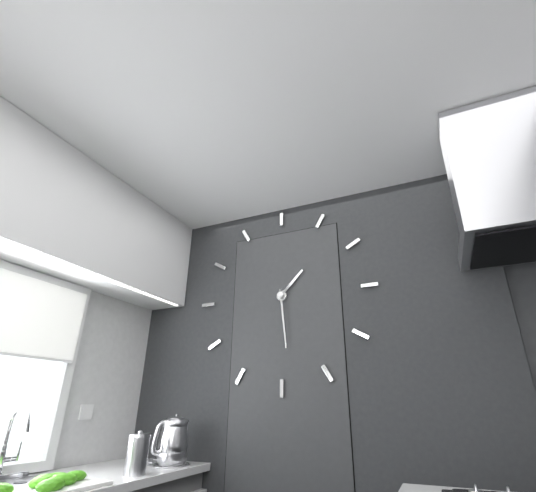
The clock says h=1 m=29
